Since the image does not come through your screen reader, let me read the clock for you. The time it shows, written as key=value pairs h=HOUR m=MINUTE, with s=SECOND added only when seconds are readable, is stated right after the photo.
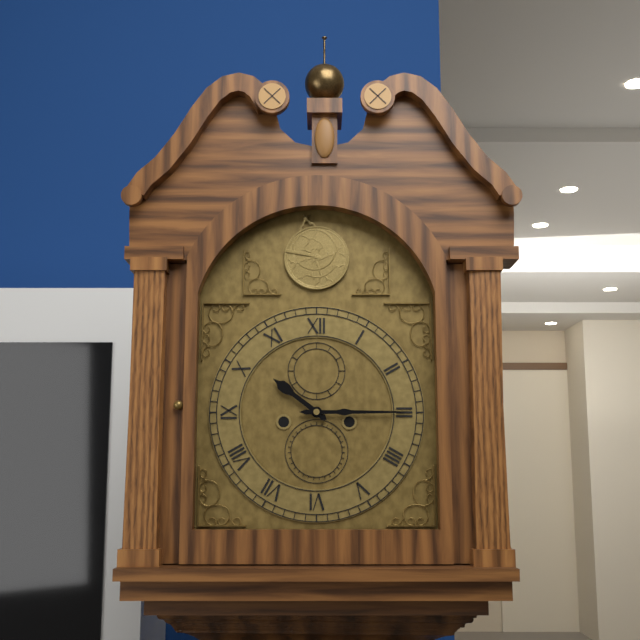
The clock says h=10 m=15
